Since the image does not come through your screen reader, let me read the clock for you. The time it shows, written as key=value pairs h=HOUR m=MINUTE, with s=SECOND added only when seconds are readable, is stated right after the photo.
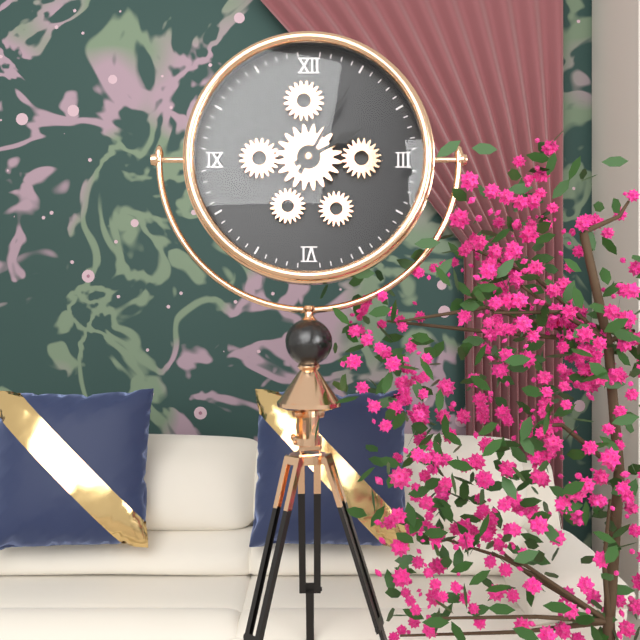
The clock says h=2 m=5
